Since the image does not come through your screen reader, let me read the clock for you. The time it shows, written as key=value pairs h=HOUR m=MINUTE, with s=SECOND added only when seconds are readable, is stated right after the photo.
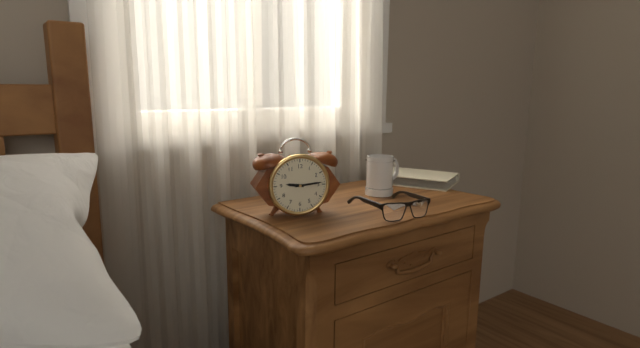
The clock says h=9 m=14
